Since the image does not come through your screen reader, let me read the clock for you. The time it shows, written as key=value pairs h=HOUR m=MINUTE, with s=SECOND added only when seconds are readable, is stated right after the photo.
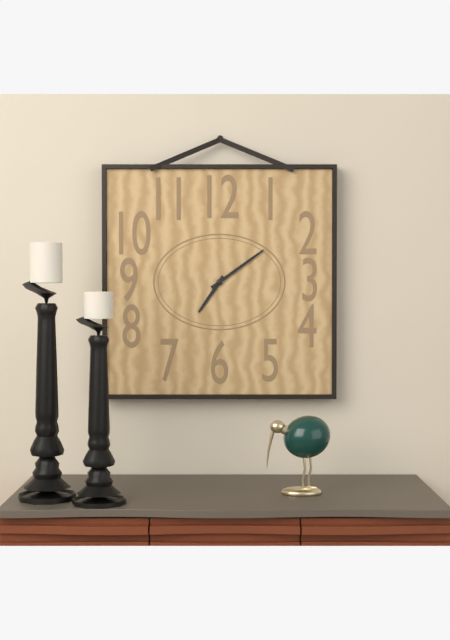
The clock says h=7 m=9
